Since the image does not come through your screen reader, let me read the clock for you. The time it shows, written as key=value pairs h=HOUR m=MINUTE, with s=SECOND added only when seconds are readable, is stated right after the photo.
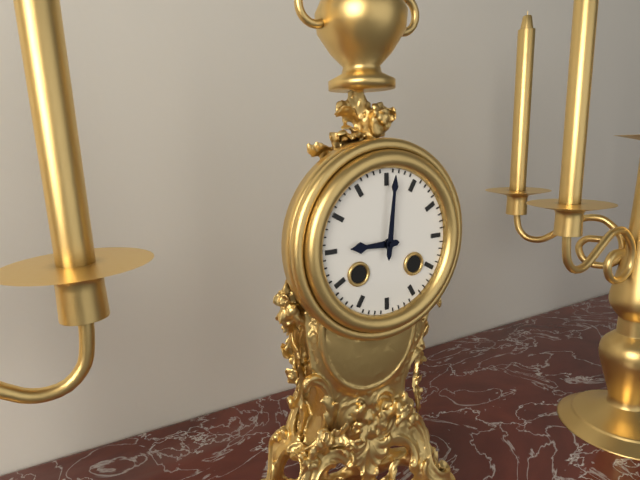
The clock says h=9 m=1
